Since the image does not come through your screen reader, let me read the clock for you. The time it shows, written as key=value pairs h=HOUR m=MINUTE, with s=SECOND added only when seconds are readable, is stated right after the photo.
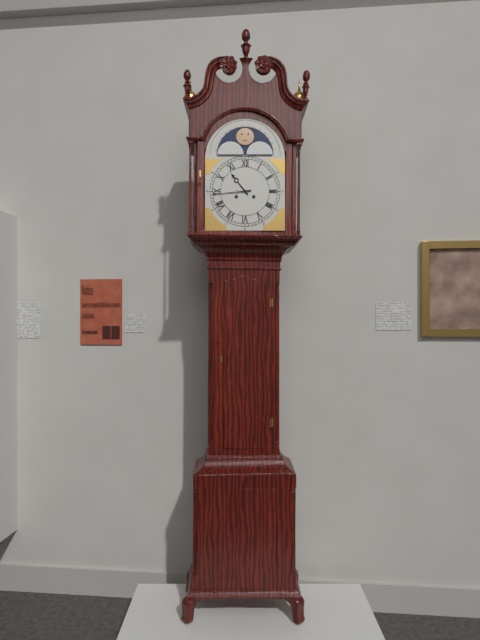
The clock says h=10 m=44
